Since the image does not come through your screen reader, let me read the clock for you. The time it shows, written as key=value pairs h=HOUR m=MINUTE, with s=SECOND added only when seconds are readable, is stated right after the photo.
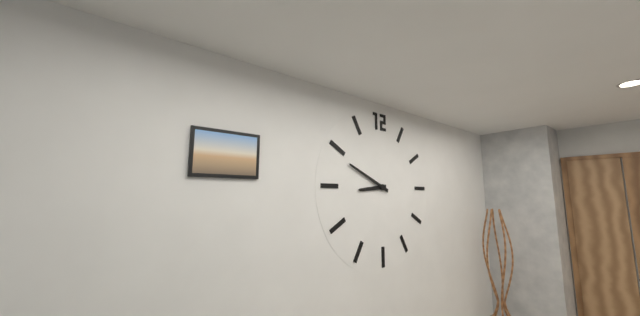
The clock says h=8 m=49
